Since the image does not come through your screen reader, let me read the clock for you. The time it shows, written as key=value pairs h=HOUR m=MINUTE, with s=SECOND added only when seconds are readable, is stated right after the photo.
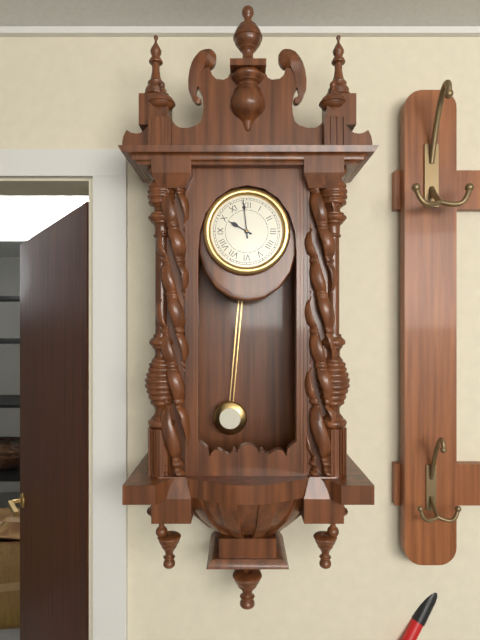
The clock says h=9 m=59
